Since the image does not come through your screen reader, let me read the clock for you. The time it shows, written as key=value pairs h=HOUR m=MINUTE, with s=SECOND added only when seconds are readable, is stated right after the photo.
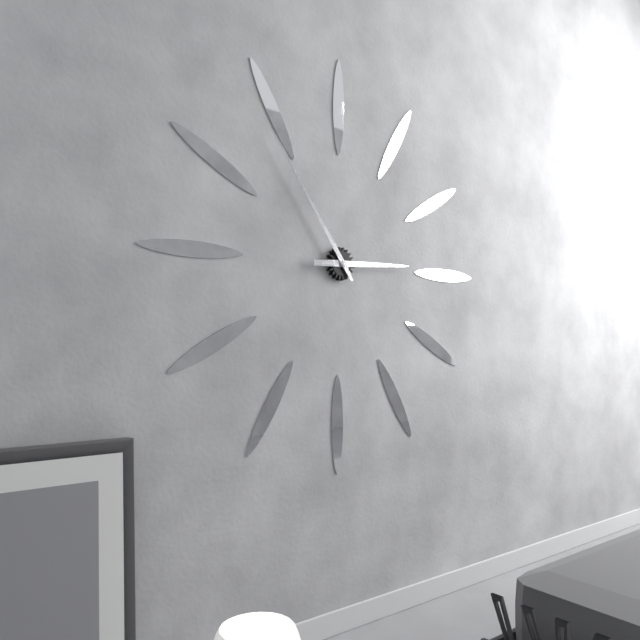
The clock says h=2 m=54
